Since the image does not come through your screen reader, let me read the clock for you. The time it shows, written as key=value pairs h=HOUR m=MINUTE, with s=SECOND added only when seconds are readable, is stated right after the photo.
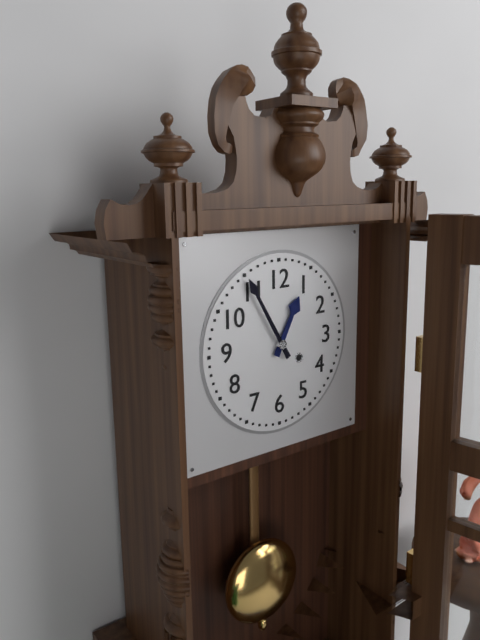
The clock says h=12 m=55
